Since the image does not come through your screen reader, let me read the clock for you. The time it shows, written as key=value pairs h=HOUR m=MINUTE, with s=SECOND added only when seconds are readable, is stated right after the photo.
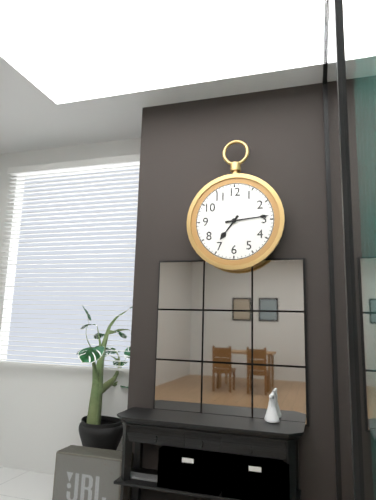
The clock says h=7 m=14
